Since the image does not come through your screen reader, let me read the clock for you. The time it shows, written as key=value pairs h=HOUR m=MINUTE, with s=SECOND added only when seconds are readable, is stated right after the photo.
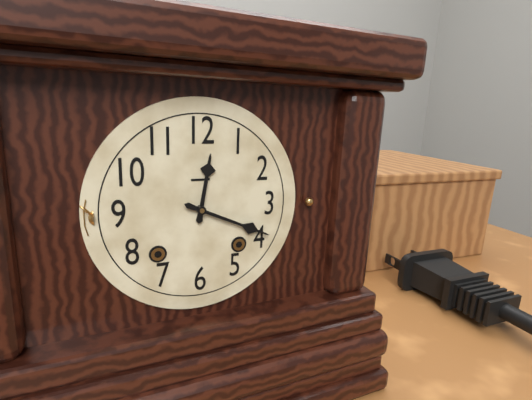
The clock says h=12 m=19
